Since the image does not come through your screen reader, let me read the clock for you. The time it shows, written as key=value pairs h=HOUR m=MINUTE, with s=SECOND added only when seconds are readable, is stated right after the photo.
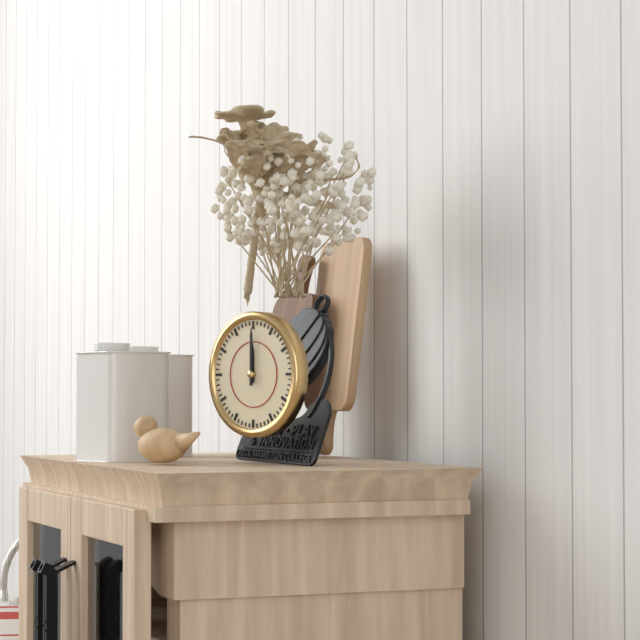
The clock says h=12 m=0
